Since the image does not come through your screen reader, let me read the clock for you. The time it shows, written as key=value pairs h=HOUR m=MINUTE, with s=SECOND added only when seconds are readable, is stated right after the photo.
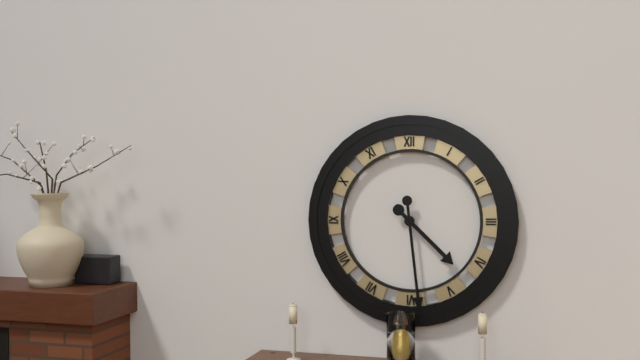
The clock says h=4 m=29
